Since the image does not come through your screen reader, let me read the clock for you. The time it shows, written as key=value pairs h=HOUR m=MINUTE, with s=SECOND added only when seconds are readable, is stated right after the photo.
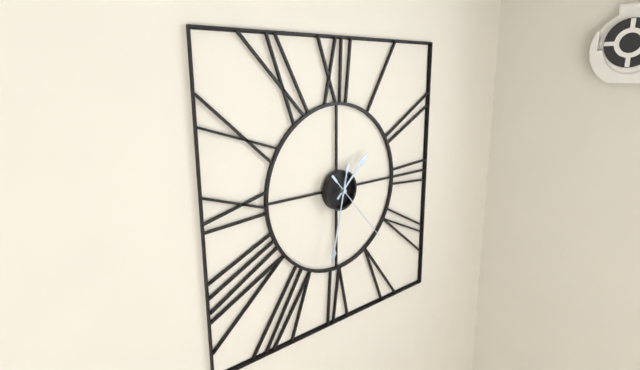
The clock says h=1 m=32 s=23
